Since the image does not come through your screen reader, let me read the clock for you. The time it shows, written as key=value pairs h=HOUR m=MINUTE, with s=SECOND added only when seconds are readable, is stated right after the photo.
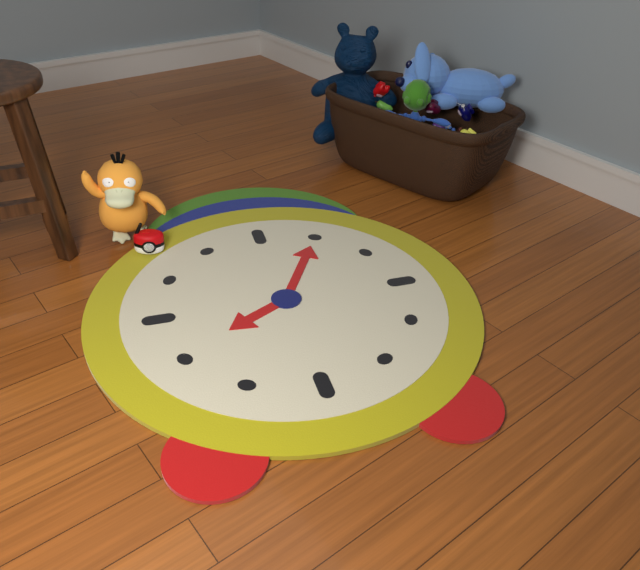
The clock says h=8 m=5
